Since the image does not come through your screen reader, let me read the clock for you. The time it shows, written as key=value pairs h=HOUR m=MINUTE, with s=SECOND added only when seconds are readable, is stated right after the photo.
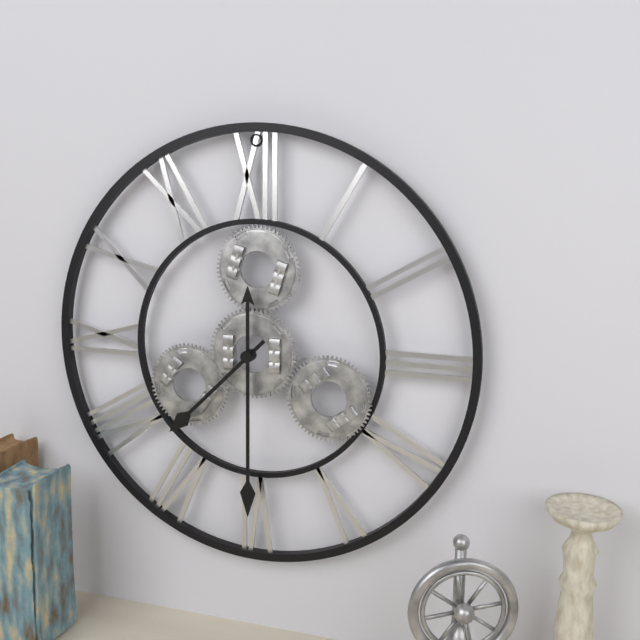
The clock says h=7 m=30
